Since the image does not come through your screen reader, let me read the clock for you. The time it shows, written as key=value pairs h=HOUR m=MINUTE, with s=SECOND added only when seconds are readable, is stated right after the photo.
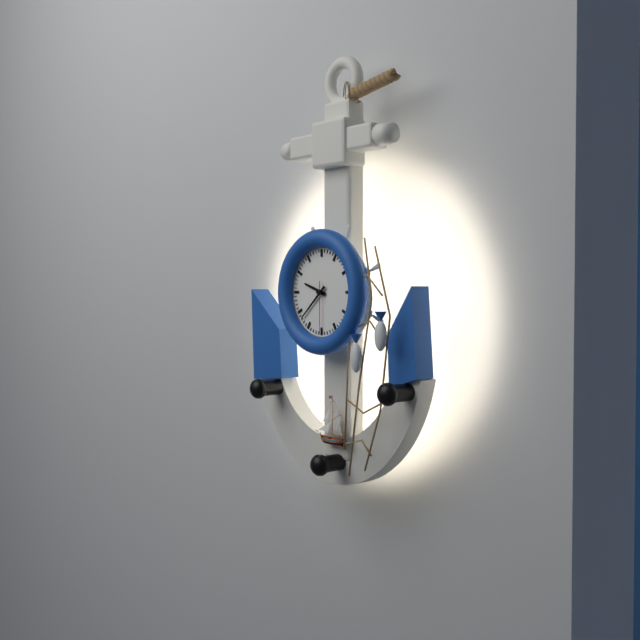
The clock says h=9 m=38 s=30
